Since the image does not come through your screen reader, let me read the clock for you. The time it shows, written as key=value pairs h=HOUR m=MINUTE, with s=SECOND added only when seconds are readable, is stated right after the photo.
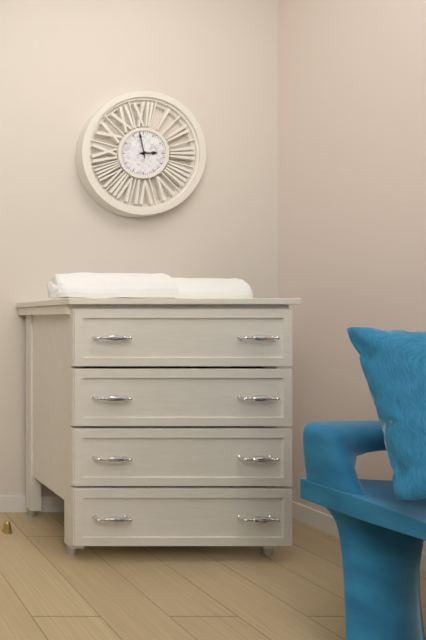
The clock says h=2 m=58
